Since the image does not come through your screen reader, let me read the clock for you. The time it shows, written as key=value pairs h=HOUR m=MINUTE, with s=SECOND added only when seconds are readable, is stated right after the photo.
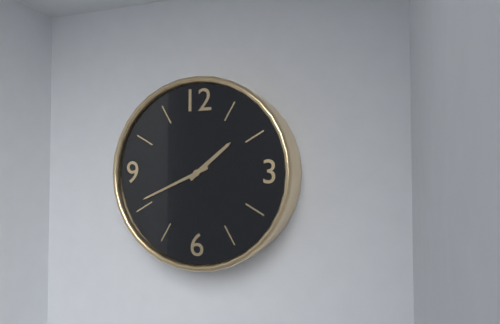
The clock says h=1 m=41
